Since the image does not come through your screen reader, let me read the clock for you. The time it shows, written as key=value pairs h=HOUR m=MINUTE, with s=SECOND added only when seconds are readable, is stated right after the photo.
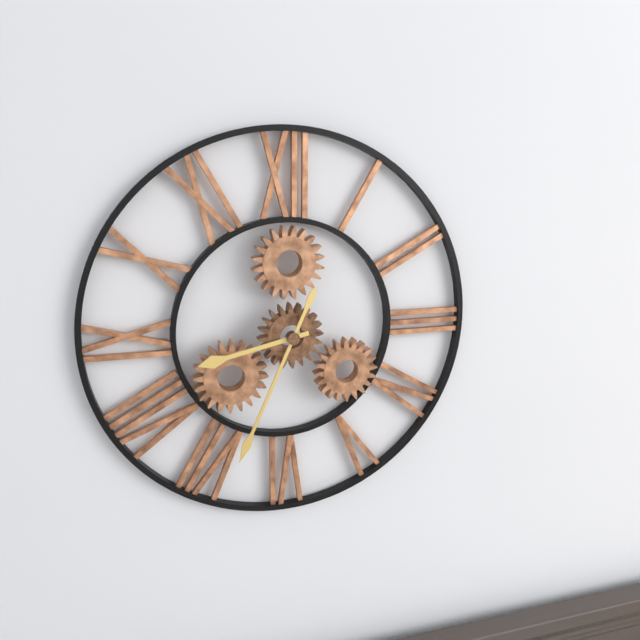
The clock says h=8 m=34
